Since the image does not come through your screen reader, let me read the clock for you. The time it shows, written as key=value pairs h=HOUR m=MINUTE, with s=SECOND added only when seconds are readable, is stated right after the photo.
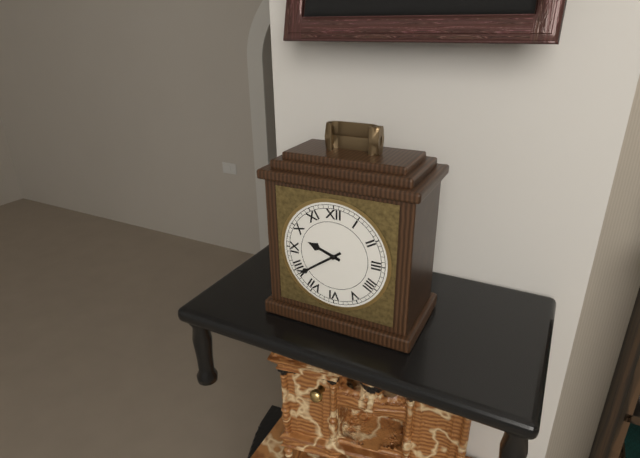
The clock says h=9 m=39
